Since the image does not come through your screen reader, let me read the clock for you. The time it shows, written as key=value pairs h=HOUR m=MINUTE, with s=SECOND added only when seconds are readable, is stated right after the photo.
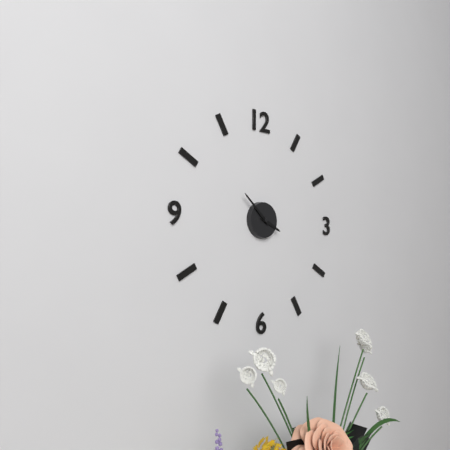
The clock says h=3 m=52
